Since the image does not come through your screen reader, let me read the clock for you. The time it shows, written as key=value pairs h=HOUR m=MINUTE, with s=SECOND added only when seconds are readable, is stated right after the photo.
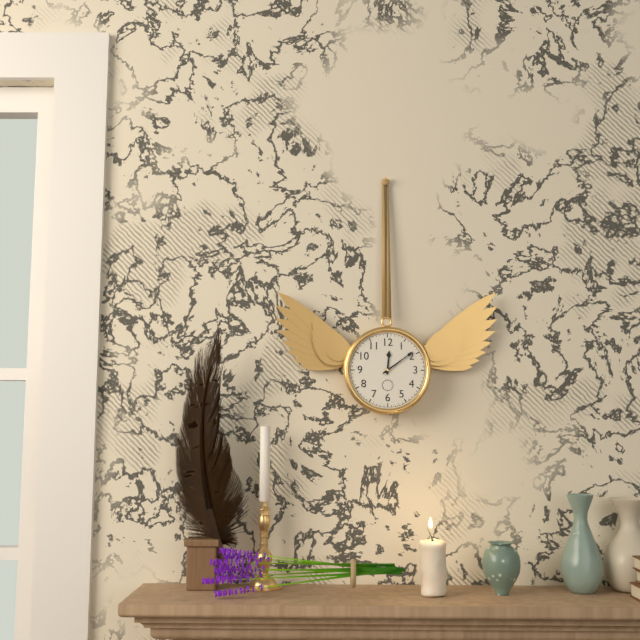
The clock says h=12 m=9
